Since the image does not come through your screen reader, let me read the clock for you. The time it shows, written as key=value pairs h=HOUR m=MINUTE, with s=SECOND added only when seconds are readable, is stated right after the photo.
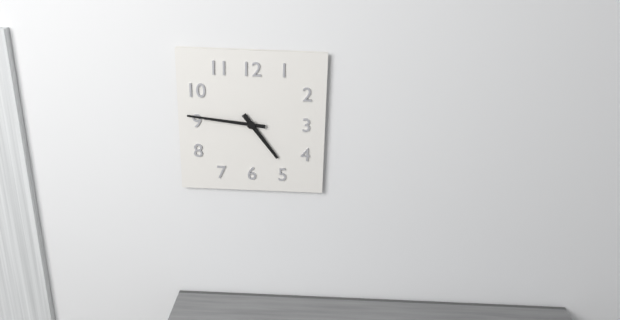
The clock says h=4 m=46
